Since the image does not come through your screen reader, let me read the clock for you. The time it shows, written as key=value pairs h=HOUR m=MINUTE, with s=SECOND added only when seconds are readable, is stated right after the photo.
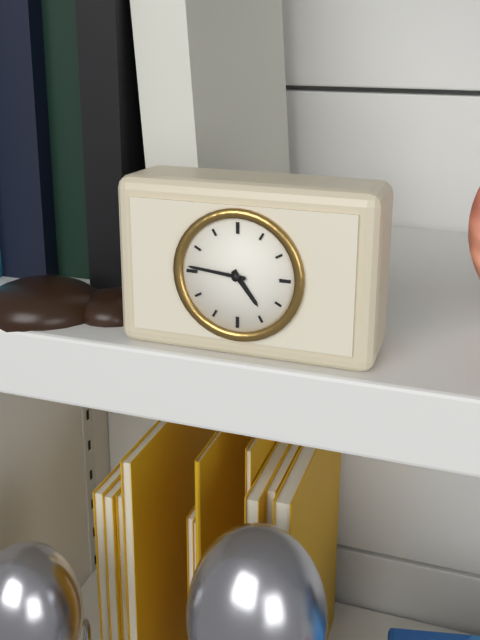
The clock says h=4 m=46
